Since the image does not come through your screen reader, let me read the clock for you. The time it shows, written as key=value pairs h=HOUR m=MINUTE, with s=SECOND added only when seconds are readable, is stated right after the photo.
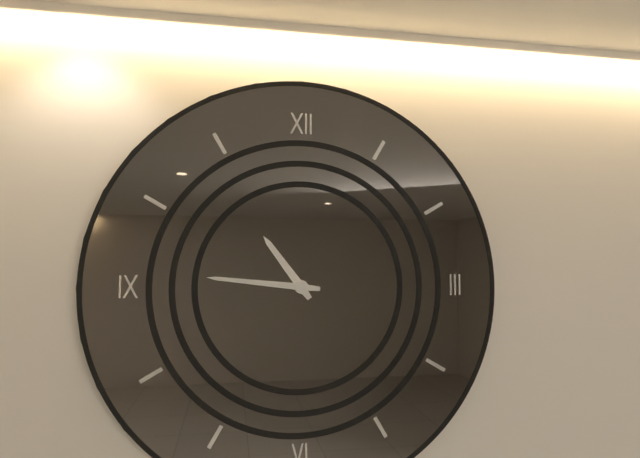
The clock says h=10 m=46
